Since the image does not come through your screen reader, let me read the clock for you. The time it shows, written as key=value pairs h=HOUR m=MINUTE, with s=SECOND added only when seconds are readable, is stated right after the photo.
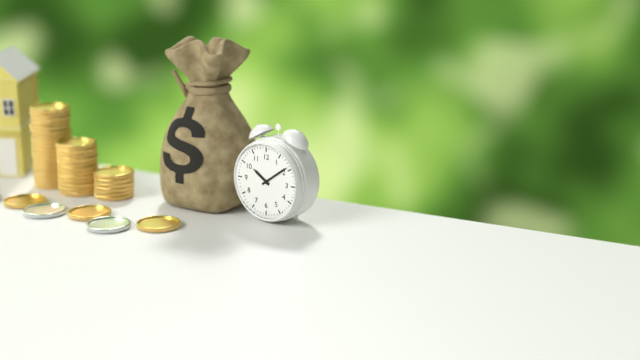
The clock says h=10 m=9
